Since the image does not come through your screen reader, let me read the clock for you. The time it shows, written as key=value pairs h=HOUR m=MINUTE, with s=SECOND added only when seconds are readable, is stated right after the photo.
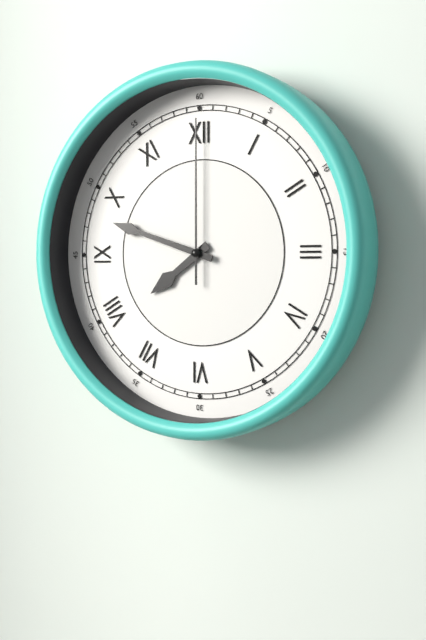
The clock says h=7 m=48 s=0
